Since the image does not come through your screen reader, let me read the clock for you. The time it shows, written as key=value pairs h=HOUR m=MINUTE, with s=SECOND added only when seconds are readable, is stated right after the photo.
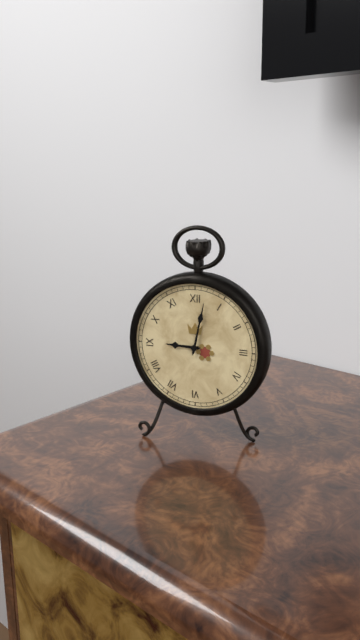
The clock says h=9 m=2
